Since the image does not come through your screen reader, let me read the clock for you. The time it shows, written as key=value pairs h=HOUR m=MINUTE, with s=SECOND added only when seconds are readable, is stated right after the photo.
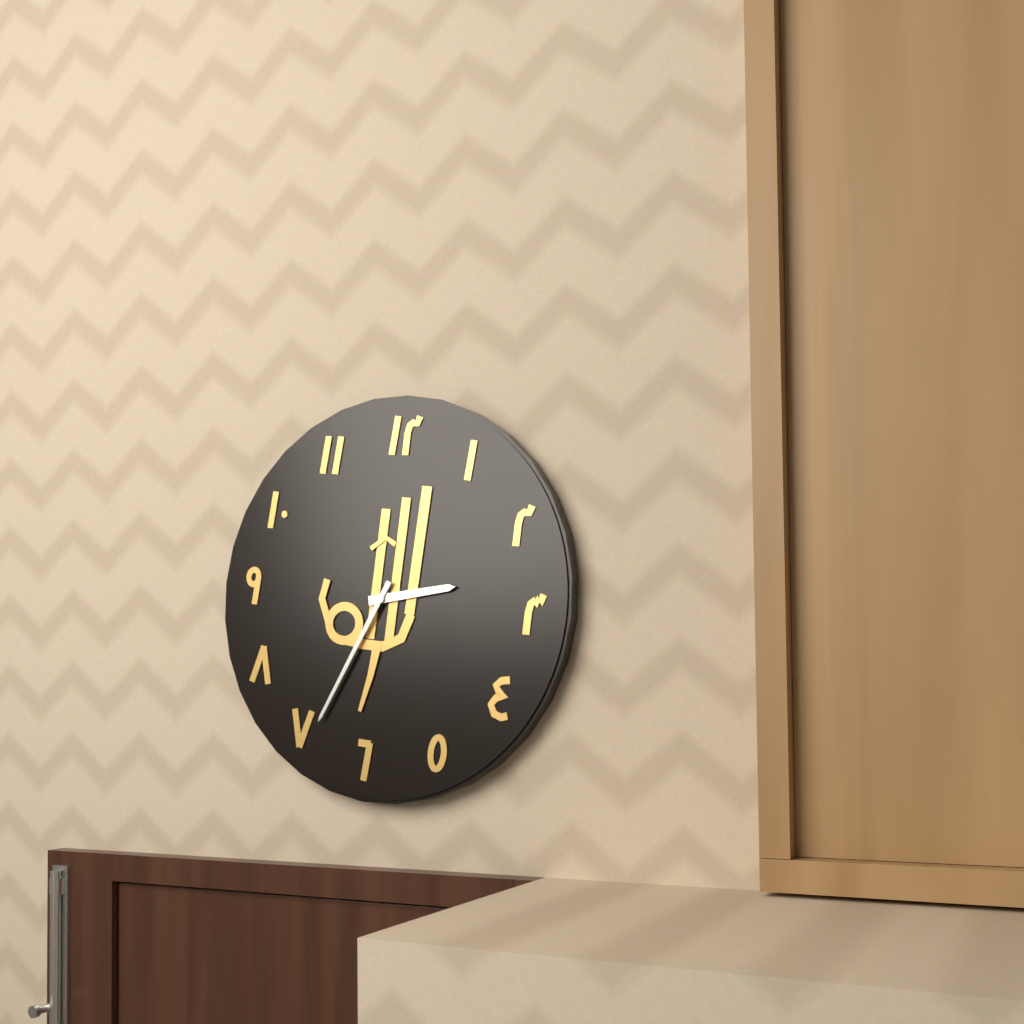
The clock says h=2 m=34
